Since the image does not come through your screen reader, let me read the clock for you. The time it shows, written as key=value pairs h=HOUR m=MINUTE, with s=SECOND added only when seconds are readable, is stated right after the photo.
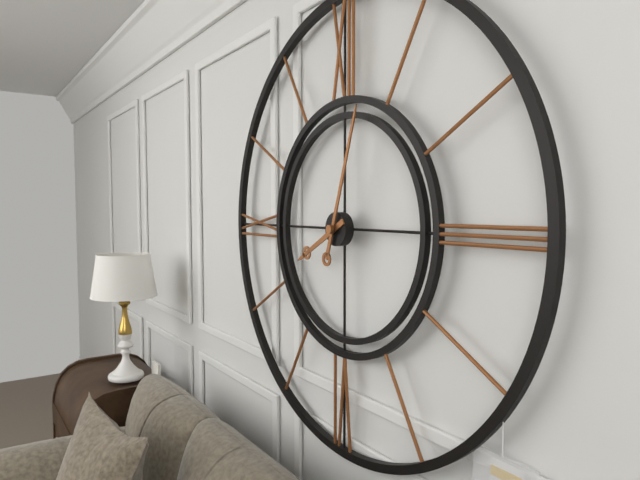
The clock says h=8 m=3
